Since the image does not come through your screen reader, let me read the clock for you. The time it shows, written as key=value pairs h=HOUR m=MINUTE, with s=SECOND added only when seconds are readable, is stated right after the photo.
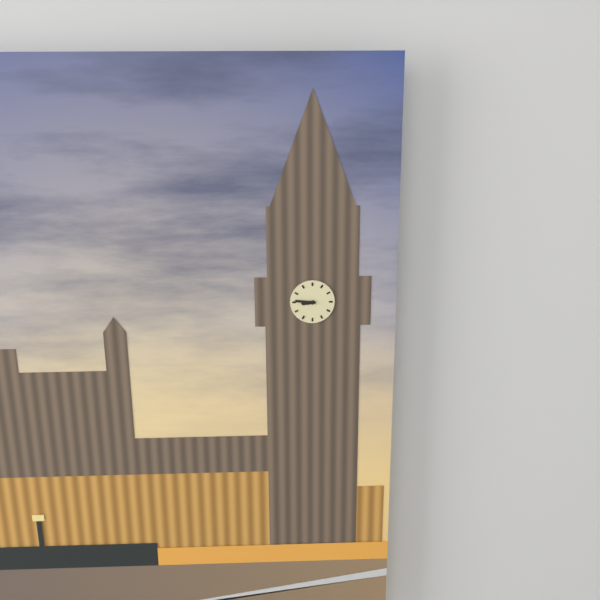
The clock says h=8 m=46
